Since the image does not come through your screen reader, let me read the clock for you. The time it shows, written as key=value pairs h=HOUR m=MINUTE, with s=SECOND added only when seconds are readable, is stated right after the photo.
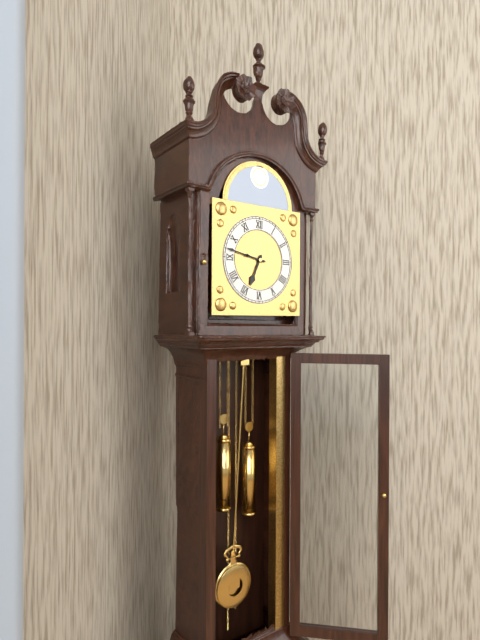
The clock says h=6 m=47
